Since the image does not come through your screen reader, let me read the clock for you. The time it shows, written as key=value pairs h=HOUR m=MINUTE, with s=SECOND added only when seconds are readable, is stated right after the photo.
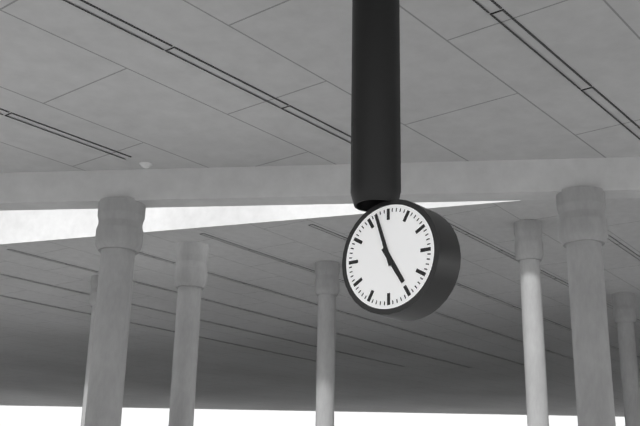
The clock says h=4 m=57
